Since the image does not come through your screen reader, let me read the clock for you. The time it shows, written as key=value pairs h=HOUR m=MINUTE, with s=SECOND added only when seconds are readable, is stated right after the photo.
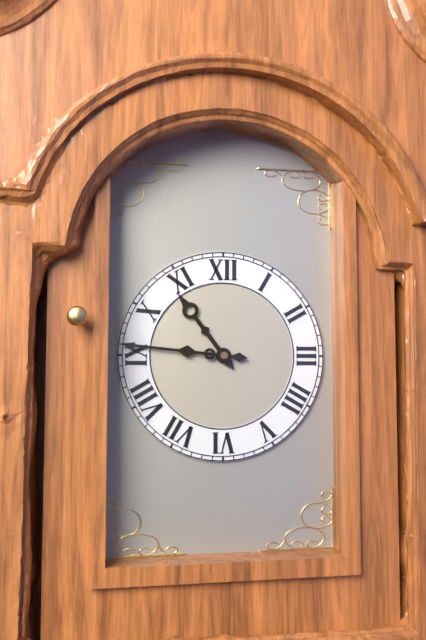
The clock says h=10 m=46
